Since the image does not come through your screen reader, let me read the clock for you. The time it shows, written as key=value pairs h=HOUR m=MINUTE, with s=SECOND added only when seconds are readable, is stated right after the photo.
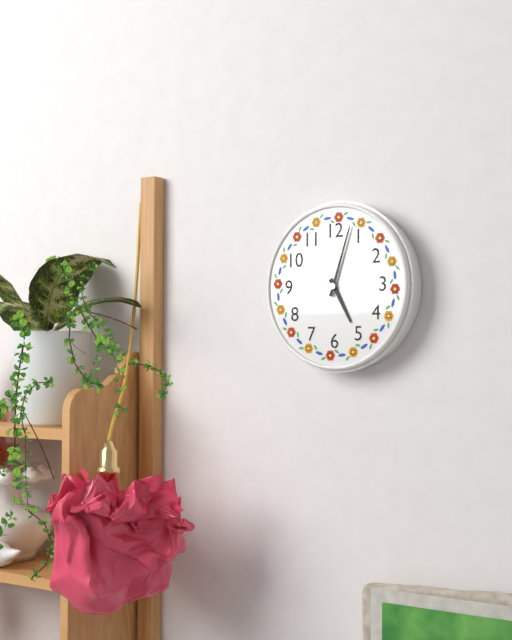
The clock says h=5 m=3
